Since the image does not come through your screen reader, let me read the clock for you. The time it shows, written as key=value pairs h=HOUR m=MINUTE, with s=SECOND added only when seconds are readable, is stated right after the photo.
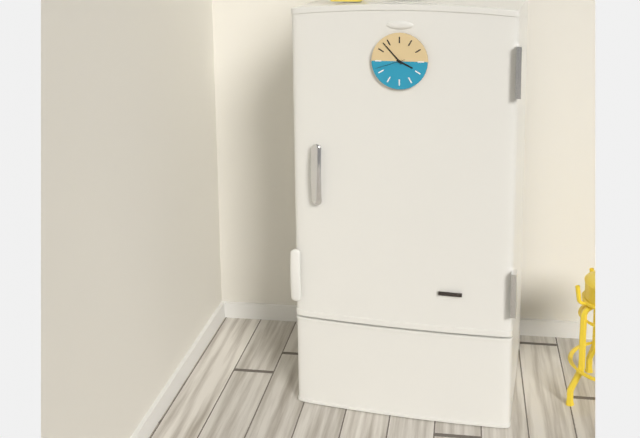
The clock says h=3 m=53
